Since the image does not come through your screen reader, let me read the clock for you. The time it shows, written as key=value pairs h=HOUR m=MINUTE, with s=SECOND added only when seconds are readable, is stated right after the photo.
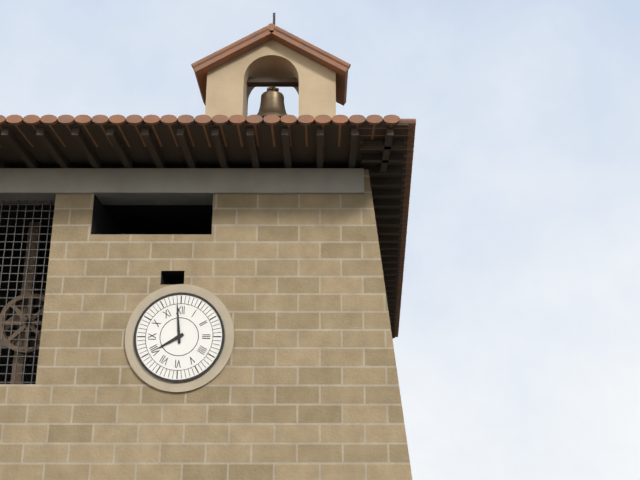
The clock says h=7 m=59
